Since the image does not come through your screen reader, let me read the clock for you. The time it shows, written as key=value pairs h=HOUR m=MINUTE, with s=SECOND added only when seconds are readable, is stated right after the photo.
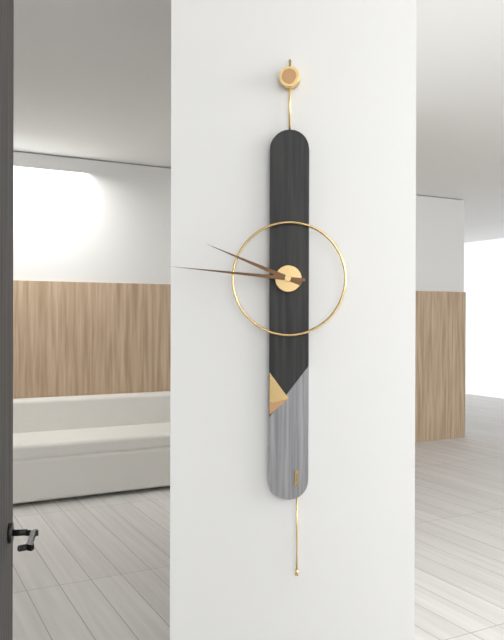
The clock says h=9 m=46
